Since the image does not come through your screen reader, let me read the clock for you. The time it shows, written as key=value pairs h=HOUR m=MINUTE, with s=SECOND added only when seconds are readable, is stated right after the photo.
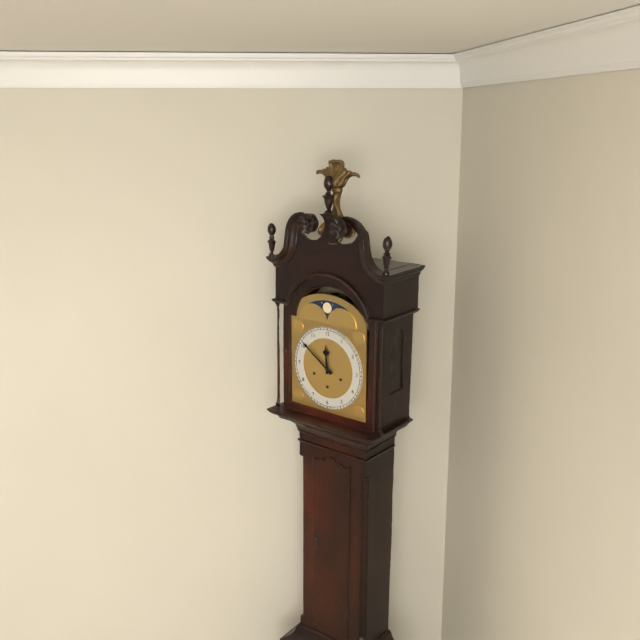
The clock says h=11 m=51
